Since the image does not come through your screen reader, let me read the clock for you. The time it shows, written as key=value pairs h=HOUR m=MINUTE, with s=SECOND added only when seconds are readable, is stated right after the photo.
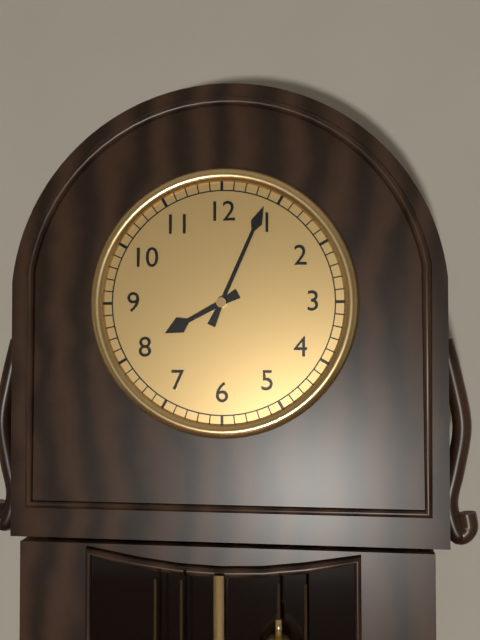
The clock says h=8 m=4
